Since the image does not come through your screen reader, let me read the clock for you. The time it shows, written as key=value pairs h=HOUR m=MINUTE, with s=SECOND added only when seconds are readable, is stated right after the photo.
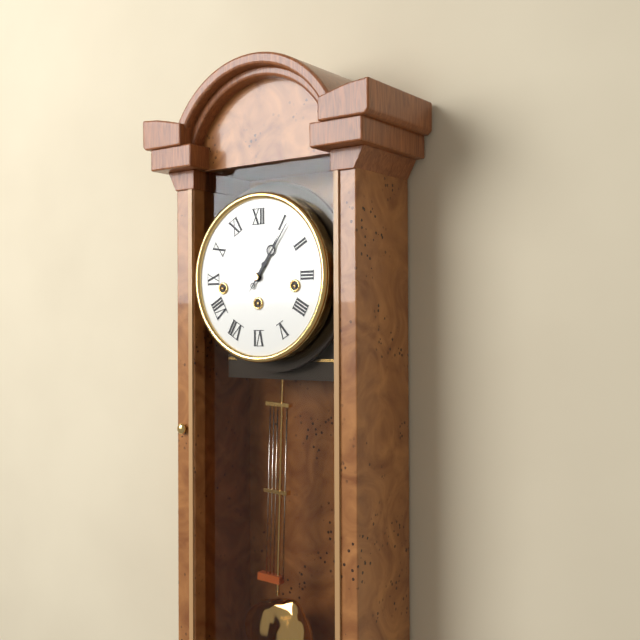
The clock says h=1 m=6
